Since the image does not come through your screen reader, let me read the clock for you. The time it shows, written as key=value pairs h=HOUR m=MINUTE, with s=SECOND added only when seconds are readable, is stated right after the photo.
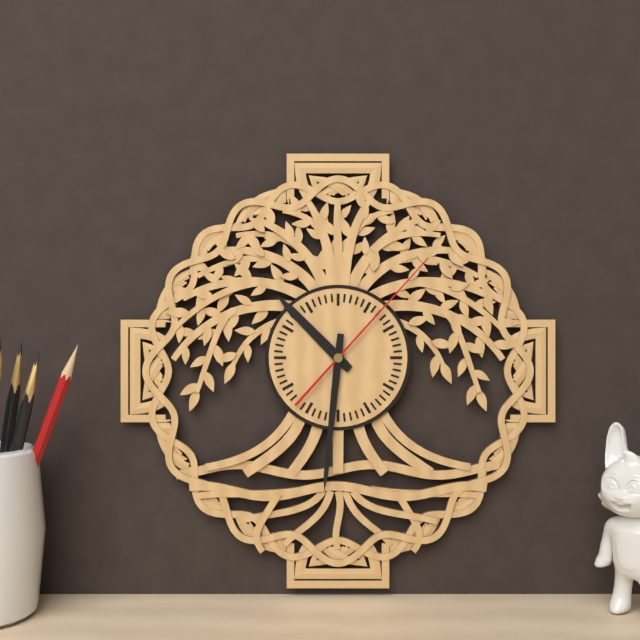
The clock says h=10 m=31 s=7
